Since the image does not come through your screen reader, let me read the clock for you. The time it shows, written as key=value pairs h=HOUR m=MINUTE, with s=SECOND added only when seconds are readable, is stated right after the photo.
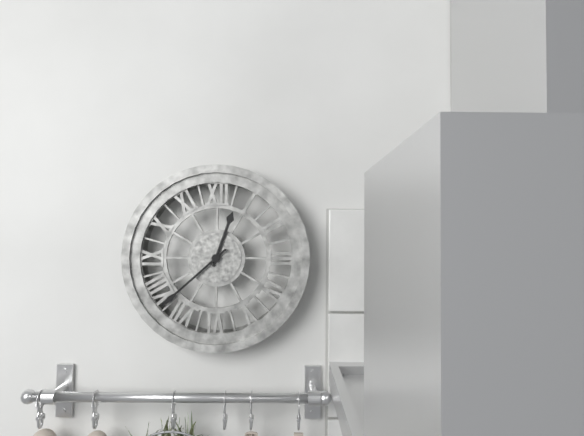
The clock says h=12 m=38
